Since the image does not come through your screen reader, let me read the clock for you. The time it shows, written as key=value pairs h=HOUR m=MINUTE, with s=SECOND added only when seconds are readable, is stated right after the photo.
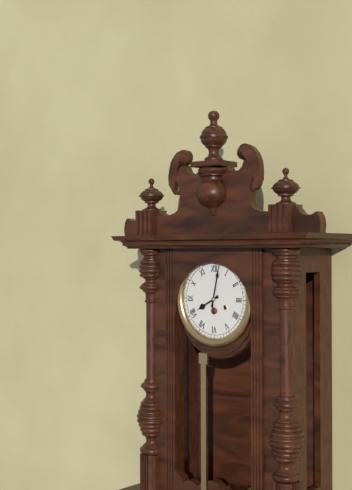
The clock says h=8 m=2
